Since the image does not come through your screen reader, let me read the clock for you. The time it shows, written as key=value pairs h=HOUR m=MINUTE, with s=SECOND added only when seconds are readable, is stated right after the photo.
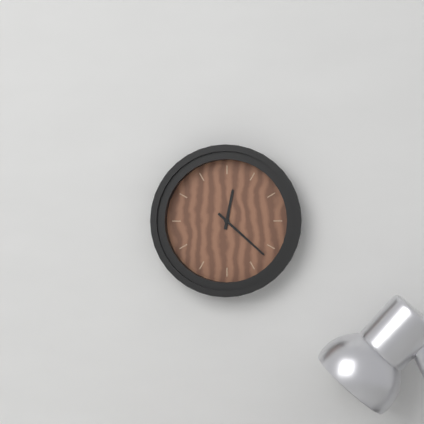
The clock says h=12 m=22
